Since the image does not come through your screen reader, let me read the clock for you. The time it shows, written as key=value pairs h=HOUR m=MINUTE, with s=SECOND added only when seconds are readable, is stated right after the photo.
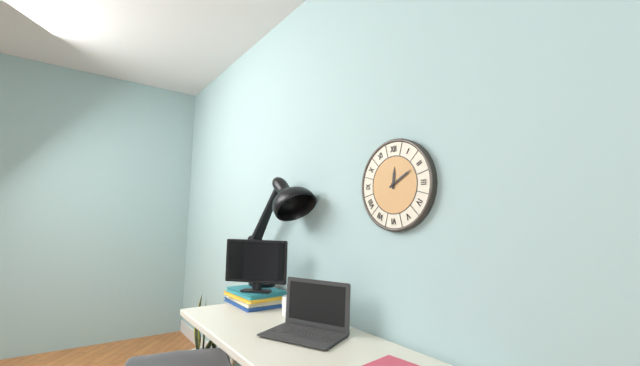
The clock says h=12 m=10
